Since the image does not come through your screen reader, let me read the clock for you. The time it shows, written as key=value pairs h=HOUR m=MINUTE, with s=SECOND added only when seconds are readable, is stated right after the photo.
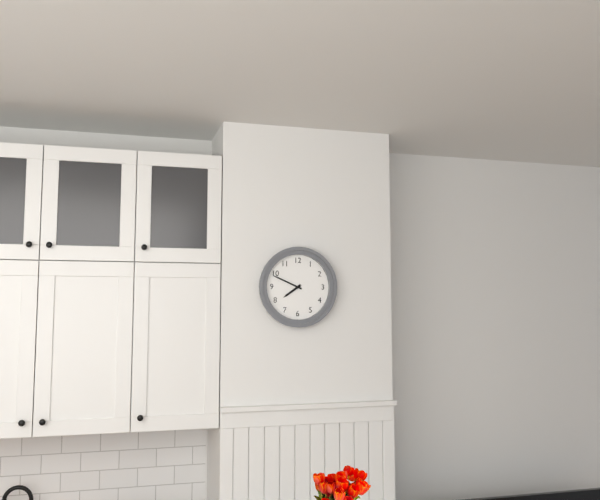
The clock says h=7 m=49
